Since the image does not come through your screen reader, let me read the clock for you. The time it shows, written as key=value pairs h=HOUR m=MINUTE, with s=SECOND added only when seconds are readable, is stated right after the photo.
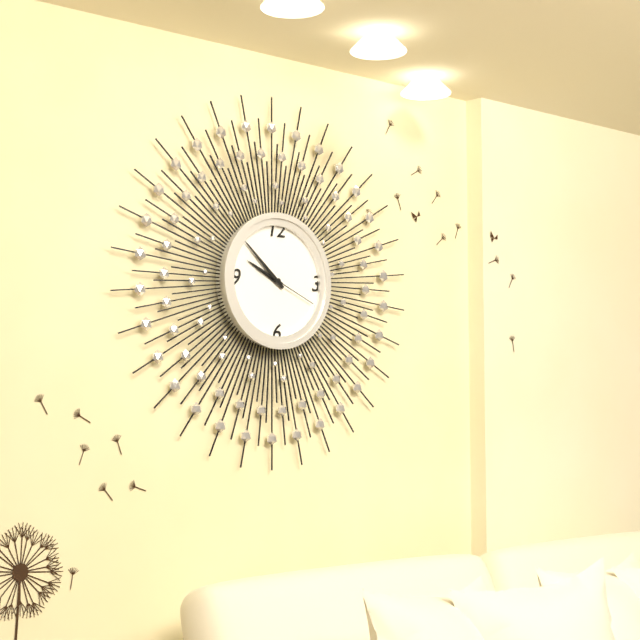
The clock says h=9 m=52 s=19
